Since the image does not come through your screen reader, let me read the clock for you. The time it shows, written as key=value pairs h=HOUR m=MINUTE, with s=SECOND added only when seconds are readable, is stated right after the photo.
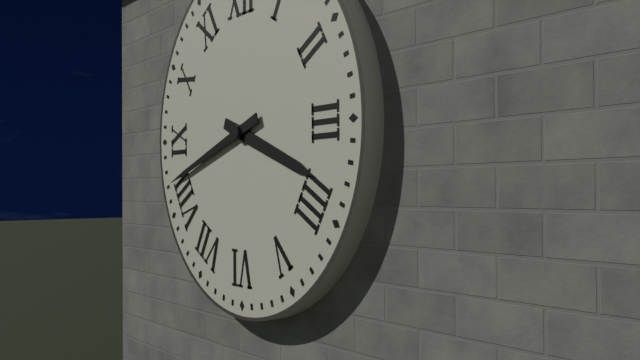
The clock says h=3 m=42
